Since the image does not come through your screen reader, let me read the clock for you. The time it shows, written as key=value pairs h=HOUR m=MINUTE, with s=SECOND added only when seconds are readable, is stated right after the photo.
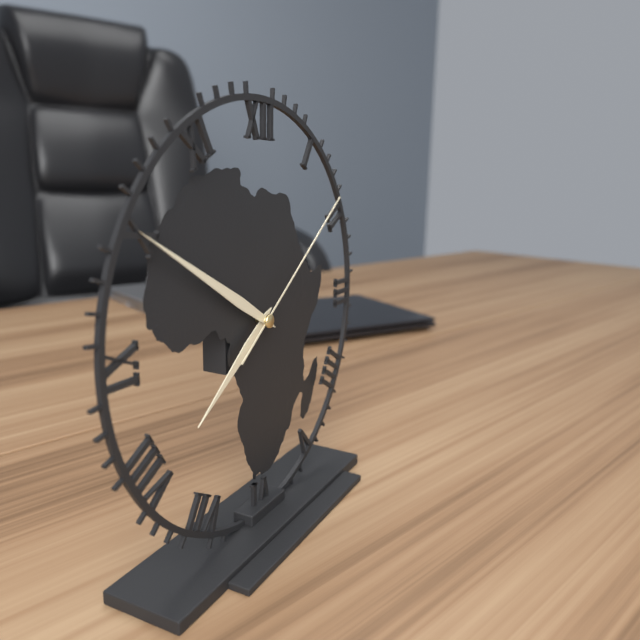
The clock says h=7 m=50 s=9
